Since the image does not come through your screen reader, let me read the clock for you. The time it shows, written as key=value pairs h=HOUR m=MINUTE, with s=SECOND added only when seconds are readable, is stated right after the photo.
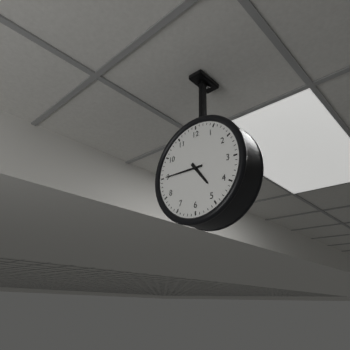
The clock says h=4 m=45
